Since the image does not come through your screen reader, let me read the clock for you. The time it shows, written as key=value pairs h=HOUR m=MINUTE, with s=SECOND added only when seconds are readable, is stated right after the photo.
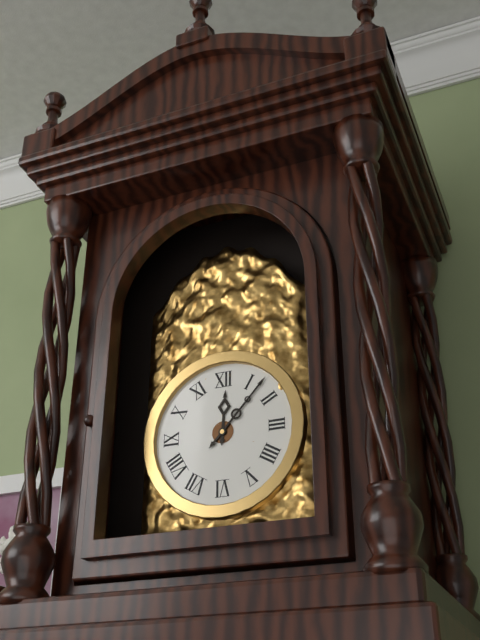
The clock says h=12 m=7
